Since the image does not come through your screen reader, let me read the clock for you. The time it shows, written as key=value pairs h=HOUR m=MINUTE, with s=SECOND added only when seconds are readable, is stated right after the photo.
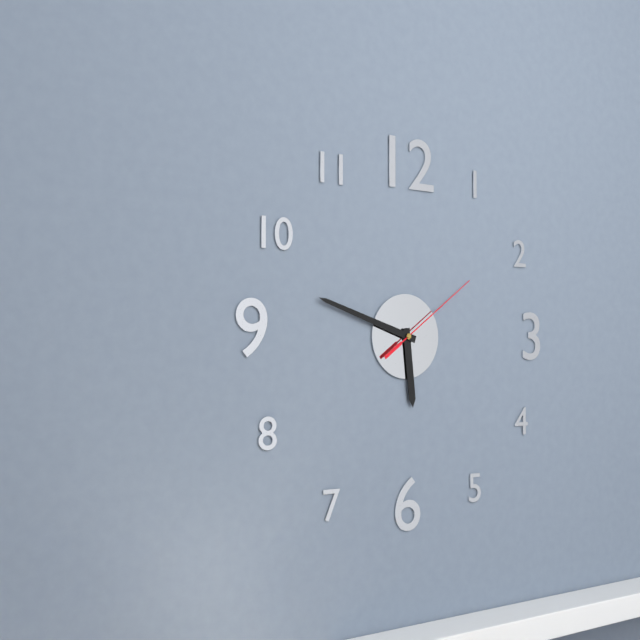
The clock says h=5 m=48 s=9
